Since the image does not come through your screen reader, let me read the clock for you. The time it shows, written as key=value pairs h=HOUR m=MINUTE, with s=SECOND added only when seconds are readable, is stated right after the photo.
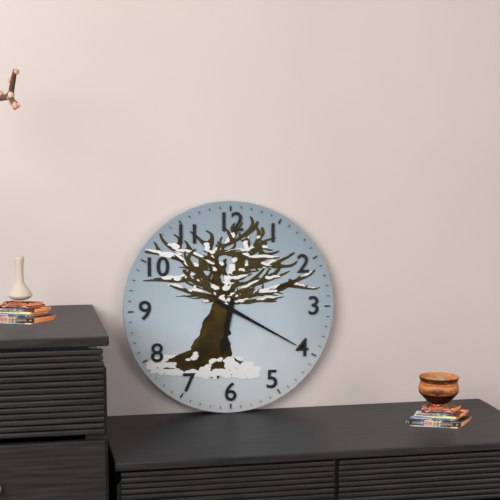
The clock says h=6 m=20
